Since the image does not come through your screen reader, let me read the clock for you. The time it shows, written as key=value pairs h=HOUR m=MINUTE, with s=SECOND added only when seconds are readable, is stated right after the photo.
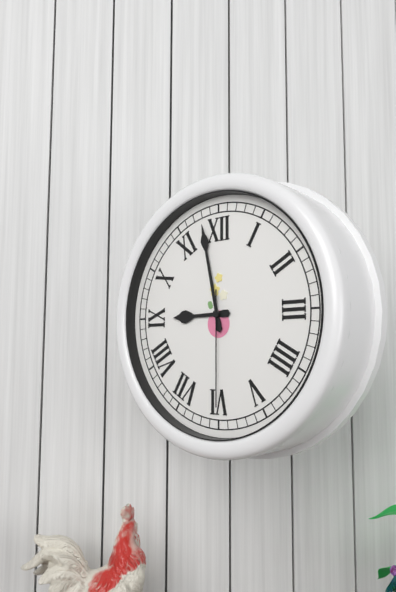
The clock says h=8 m=58 s=30
